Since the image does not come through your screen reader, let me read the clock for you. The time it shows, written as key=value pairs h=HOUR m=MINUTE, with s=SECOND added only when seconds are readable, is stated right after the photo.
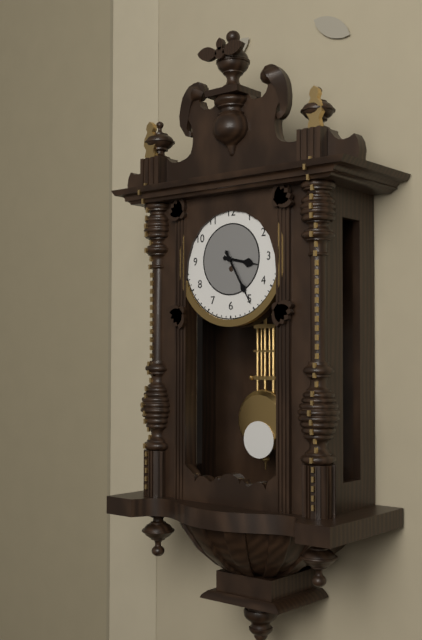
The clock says h=3 m=25
